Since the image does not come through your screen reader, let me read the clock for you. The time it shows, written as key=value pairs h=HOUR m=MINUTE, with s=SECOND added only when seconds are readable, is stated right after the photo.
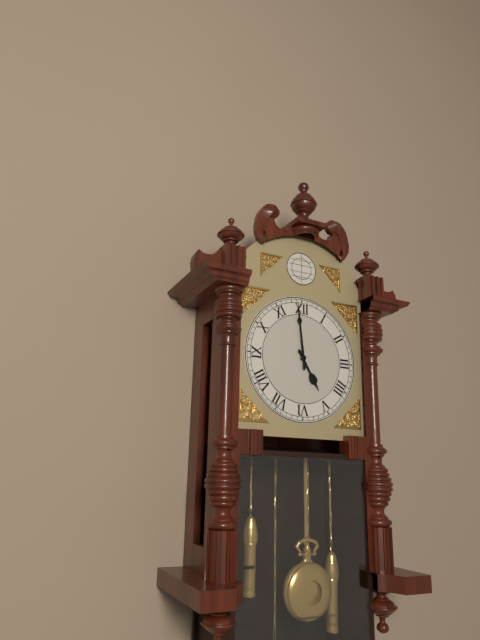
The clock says h=4 m=59
